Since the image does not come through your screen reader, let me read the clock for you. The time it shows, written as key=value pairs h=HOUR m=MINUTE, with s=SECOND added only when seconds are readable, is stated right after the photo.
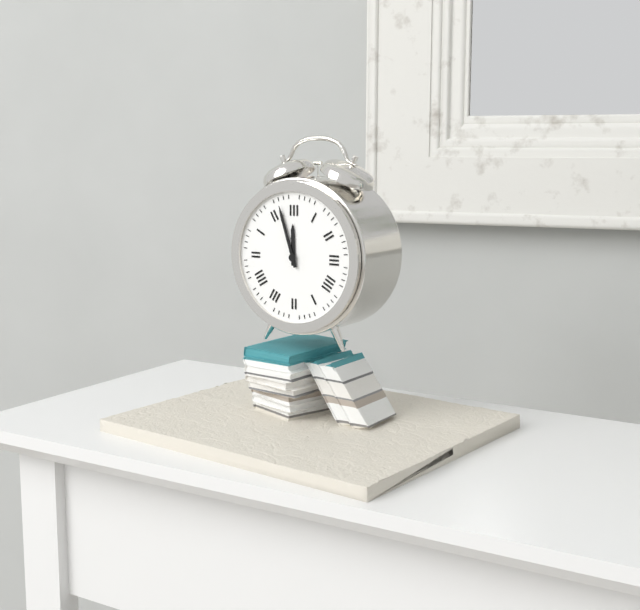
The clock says h=11 m=57
